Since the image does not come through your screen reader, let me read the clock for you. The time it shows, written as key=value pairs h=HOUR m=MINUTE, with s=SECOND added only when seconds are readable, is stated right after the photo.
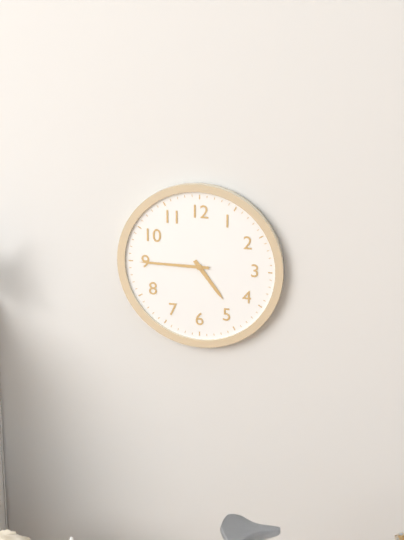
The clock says h=4 m=45
